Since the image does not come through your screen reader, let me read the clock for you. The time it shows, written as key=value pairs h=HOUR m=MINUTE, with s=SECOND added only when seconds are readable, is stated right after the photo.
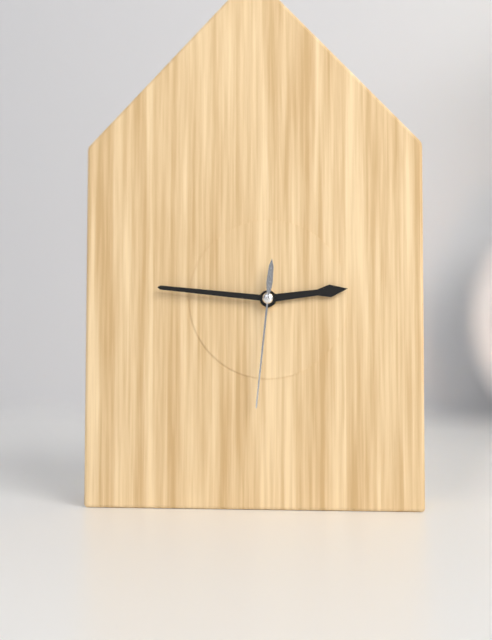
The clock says h=2 m=46 s=31
